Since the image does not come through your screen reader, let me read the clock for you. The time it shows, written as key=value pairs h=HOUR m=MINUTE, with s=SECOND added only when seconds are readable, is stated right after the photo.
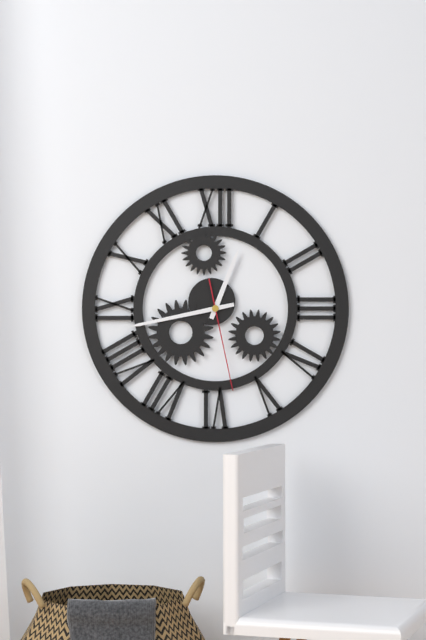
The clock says h=12 m=43 s=28
